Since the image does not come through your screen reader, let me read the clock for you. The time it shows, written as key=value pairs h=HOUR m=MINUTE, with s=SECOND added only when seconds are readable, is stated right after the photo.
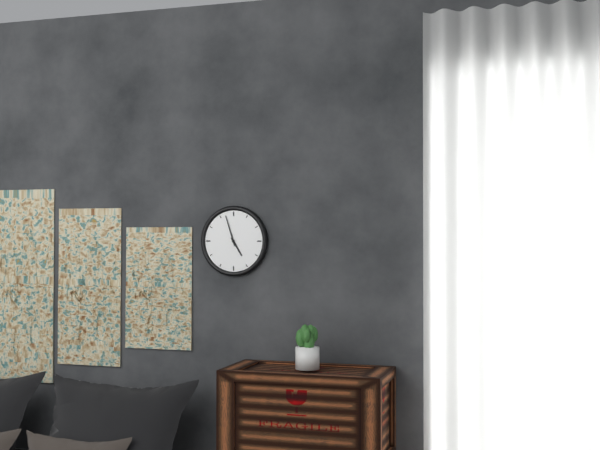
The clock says h=4 m=57
